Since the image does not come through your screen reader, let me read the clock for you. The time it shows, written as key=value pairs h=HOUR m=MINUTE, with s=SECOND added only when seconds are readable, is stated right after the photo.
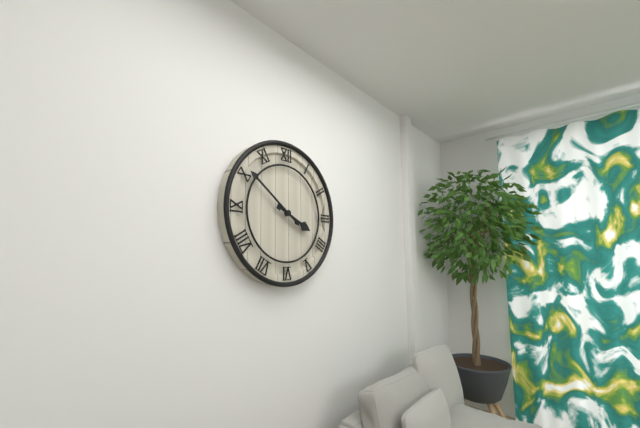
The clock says h=3 m=51
